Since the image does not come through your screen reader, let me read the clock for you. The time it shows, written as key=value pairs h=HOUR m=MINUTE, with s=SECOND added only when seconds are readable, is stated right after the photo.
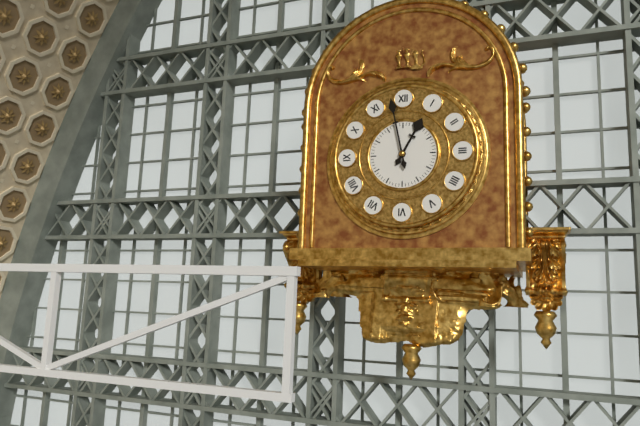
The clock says h=12 m=58
